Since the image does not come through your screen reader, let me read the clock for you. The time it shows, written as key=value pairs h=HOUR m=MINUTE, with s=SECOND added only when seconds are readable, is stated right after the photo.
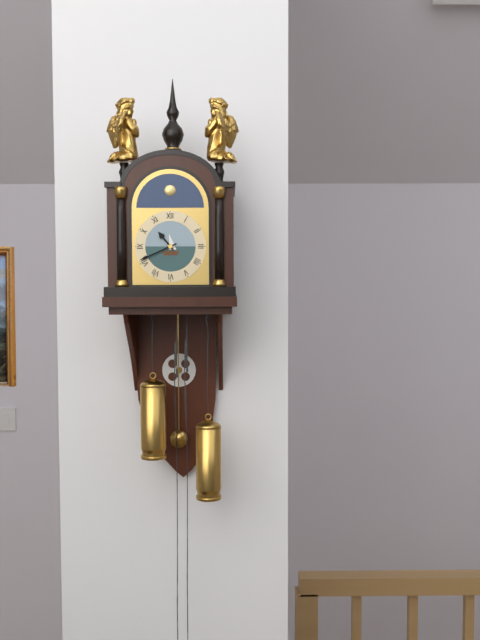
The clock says h=10 m=41
